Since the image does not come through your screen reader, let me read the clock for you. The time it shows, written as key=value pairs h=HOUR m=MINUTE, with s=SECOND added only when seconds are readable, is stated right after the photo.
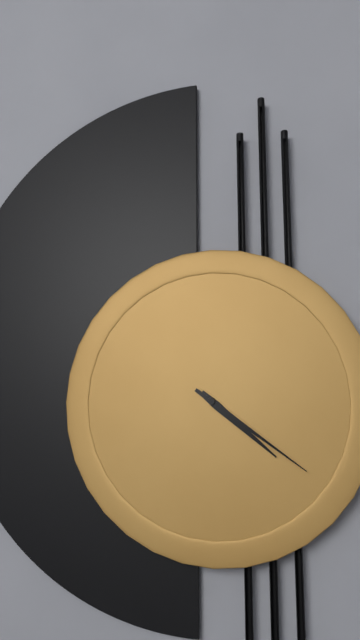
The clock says h=4 m=21
